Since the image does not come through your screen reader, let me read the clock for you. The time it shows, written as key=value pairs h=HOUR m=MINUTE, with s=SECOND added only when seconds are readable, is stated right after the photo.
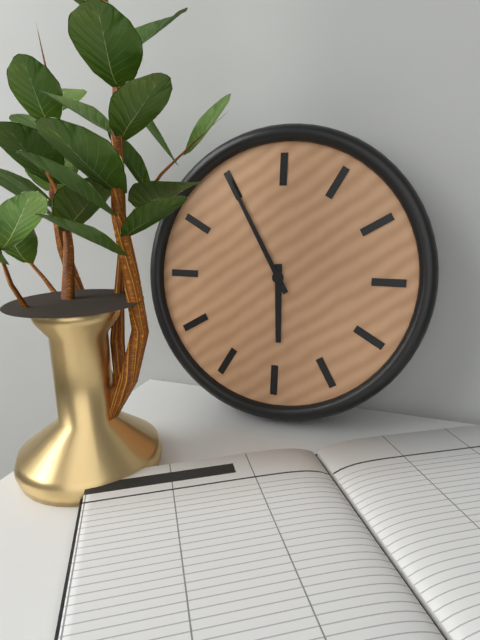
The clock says h=5 m=55
